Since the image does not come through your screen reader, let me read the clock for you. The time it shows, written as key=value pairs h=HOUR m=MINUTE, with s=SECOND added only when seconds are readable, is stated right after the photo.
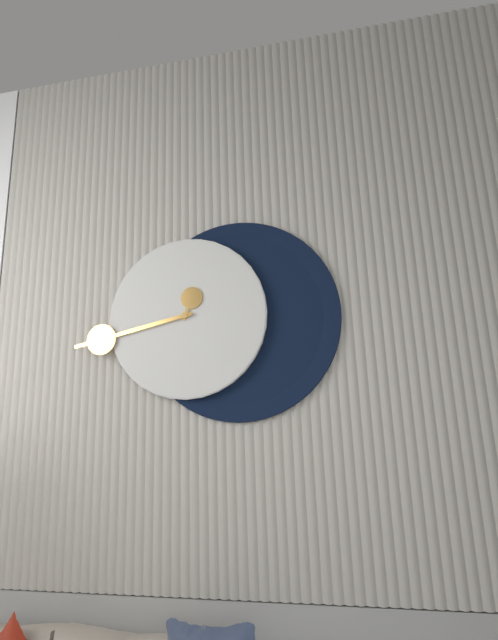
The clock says h=12 m=43
